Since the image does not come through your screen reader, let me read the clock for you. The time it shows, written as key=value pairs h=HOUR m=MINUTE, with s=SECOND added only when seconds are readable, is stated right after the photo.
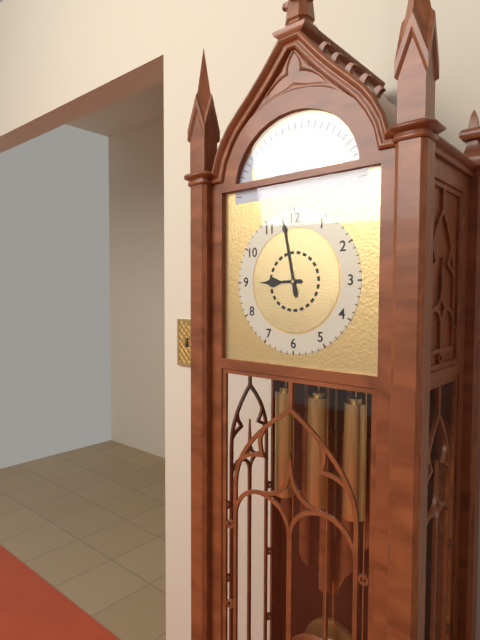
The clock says h=8 m=58
